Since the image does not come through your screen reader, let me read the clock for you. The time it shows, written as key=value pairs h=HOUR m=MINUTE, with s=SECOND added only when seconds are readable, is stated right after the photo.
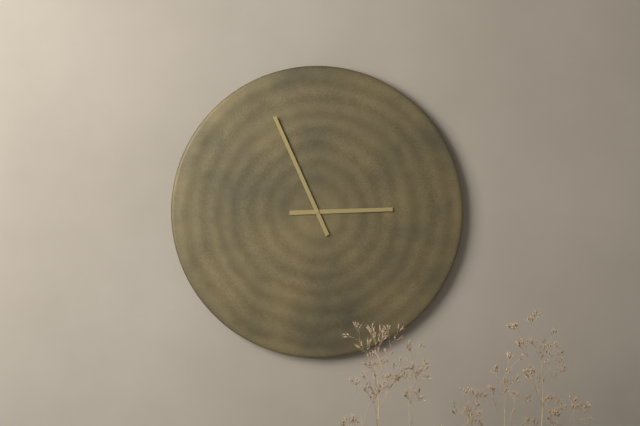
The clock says h=2 m=56
